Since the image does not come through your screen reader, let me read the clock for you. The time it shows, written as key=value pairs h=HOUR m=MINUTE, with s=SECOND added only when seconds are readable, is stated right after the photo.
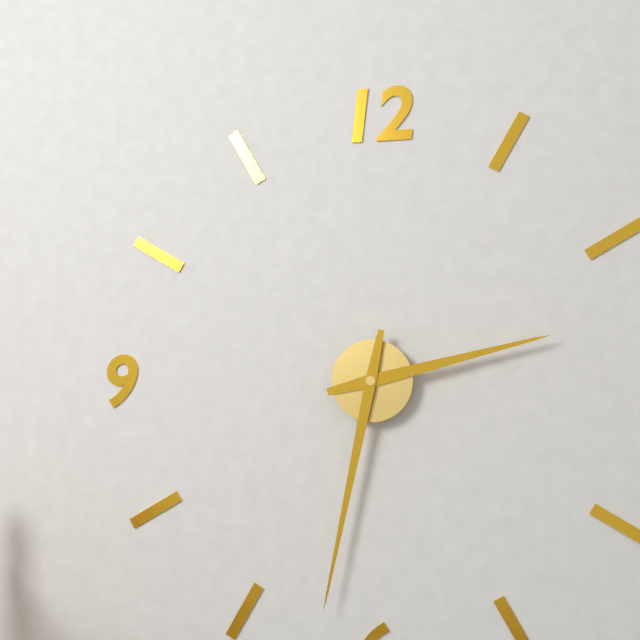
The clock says h=2 m=32
